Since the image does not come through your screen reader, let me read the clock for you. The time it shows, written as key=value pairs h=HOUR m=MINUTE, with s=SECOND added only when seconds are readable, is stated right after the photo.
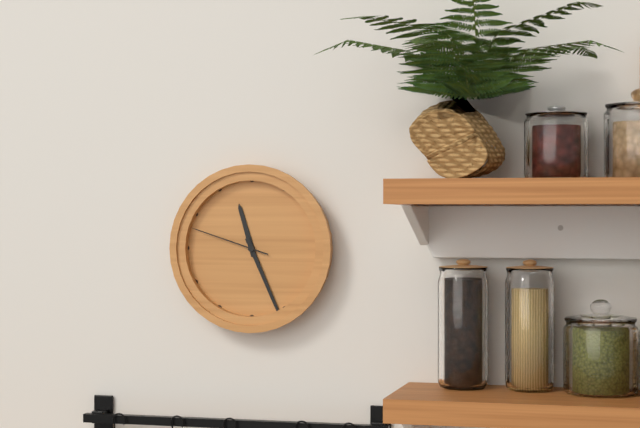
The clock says h=11 m=26 s=48
